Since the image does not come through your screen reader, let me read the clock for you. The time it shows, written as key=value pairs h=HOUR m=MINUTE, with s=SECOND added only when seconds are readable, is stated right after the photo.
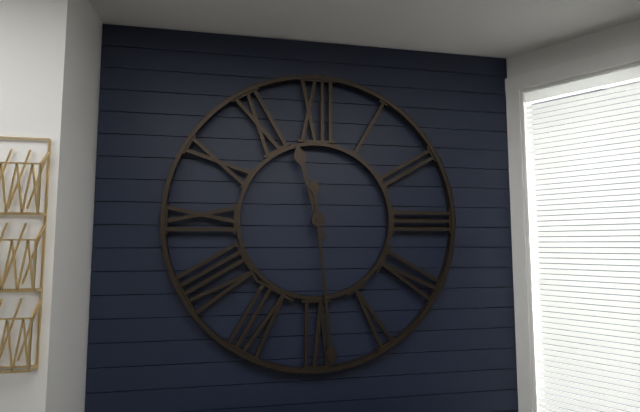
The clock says h=11 m=29
